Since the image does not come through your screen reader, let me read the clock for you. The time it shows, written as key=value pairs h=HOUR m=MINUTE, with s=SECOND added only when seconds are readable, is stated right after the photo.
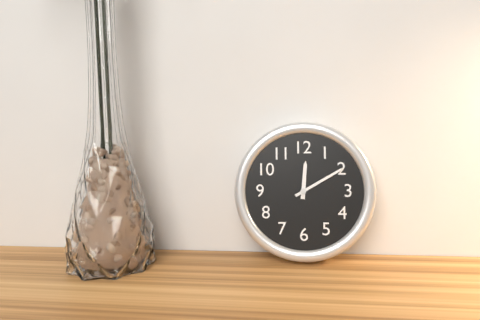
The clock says h=12 m=10
